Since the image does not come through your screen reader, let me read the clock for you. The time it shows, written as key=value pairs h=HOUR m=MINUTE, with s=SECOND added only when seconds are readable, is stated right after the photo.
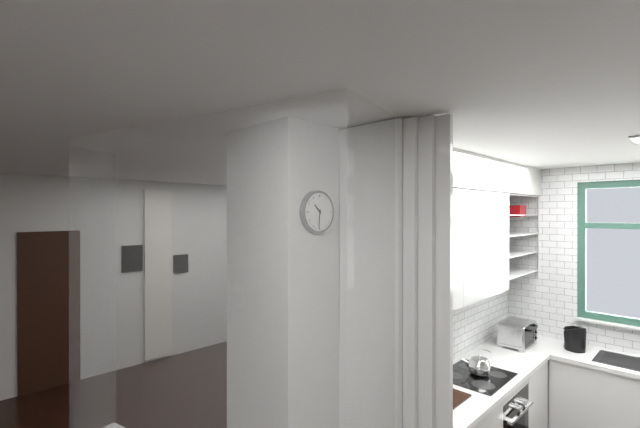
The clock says h=10 m=31
